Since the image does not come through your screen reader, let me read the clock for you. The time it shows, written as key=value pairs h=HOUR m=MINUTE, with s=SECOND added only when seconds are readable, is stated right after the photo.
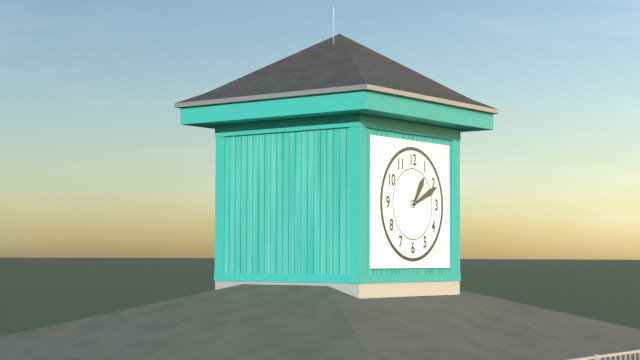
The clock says h=1 m=11
